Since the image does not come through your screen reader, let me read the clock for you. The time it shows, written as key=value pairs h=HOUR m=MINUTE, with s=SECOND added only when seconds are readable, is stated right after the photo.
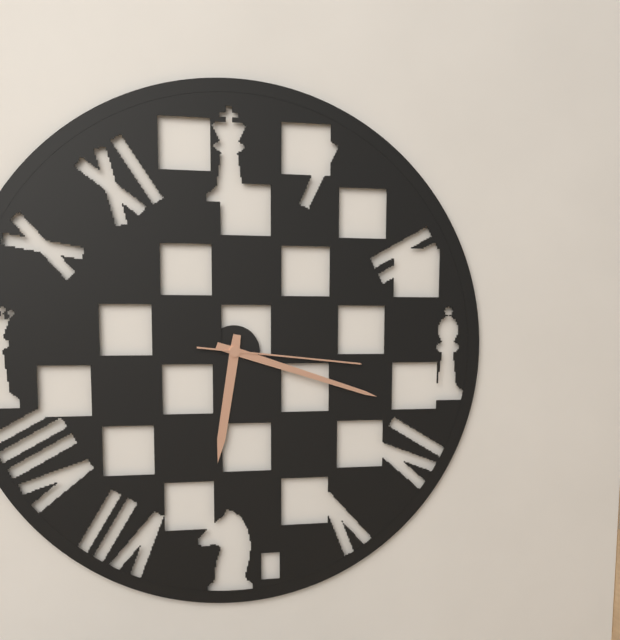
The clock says h=6 m=18 s=16
